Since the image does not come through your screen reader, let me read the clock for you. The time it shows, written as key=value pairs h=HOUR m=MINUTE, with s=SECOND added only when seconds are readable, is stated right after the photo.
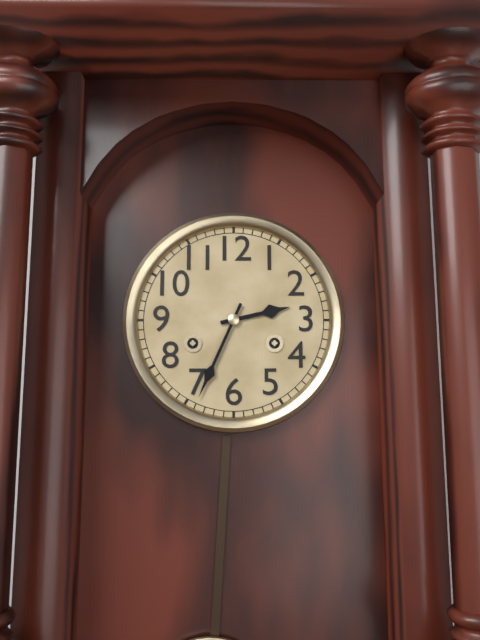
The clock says h=2 m=34
